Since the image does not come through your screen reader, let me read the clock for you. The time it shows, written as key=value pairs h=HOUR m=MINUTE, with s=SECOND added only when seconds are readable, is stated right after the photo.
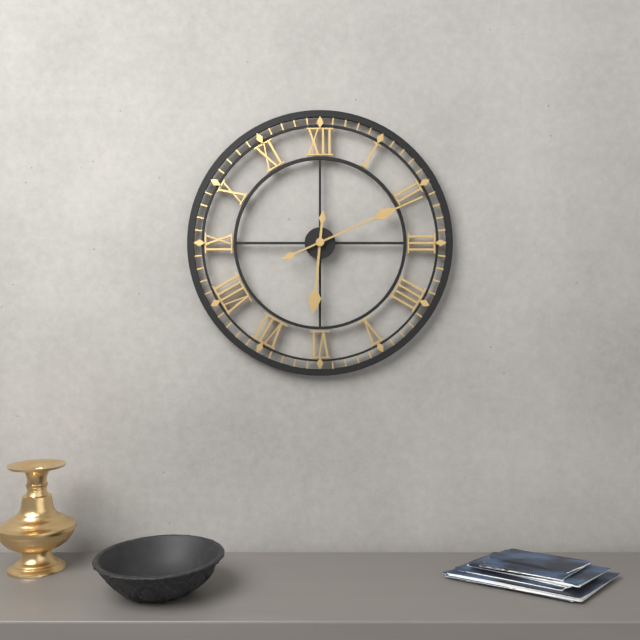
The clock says h=6 m=11
